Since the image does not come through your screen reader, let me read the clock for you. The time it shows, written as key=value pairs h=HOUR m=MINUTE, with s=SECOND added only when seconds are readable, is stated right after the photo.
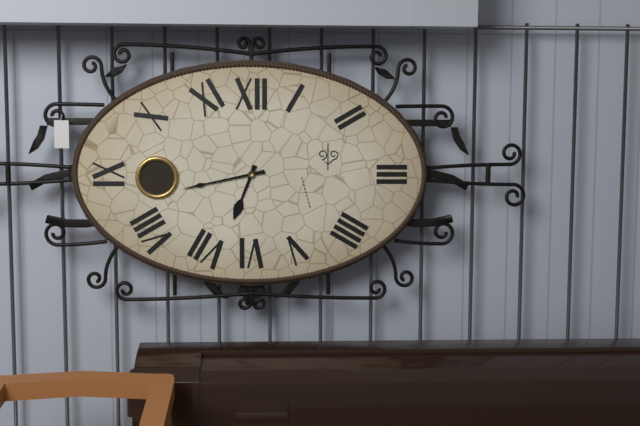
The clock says h=6 m=43
